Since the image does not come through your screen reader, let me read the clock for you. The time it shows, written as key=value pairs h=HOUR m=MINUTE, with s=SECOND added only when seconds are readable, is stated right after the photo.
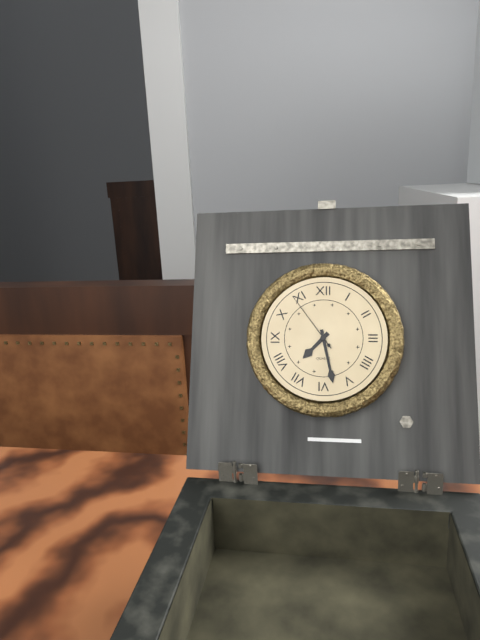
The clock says h=7 m=28 s=54
